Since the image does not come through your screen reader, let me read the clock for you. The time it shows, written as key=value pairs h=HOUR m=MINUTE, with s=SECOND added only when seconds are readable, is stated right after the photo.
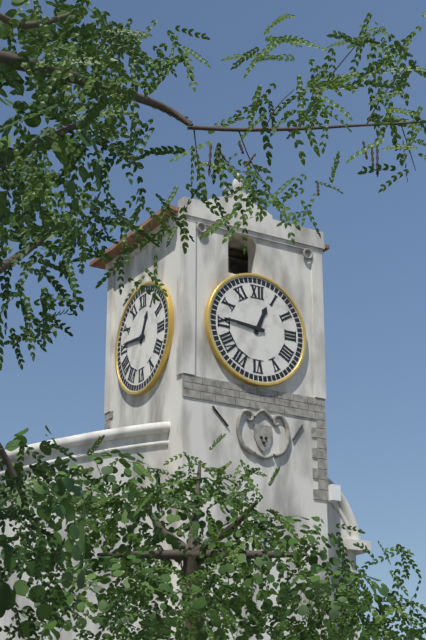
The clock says h=12 m=46
